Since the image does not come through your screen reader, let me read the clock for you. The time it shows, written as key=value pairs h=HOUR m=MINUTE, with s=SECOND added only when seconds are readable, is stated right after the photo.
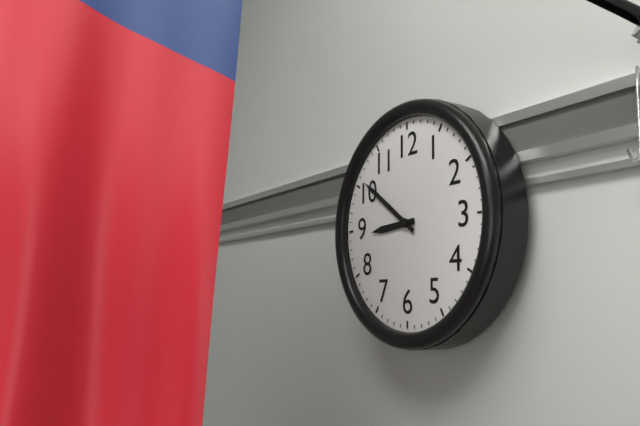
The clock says h=8 m=51
